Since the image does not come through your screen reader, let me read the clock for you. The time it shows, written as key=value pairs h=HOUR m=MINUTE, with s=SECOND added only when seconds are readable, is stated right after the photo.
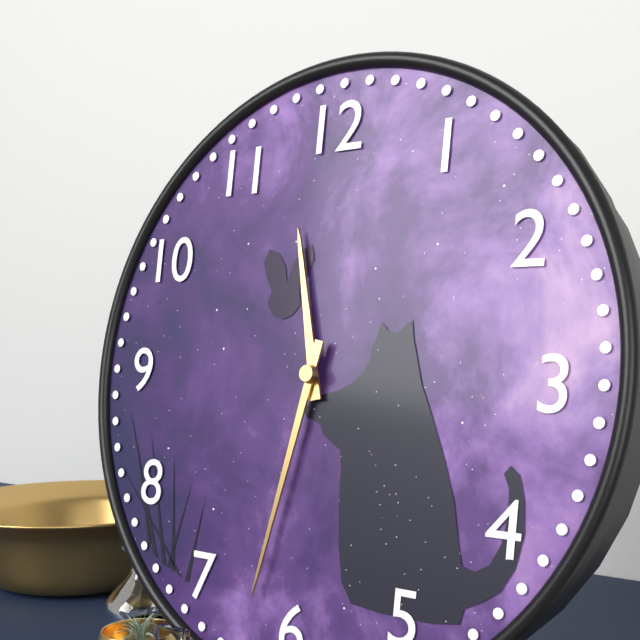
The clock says h=11 m=32
